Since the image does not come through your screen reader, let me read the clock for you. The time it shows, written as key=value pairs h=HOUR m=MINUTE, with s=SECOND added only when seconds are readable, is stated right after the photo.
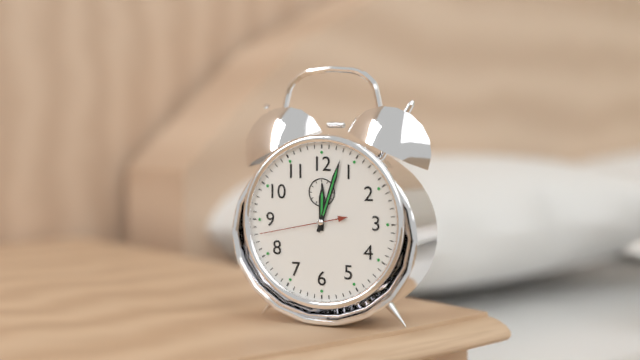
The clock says h=12 m=3 s=43
